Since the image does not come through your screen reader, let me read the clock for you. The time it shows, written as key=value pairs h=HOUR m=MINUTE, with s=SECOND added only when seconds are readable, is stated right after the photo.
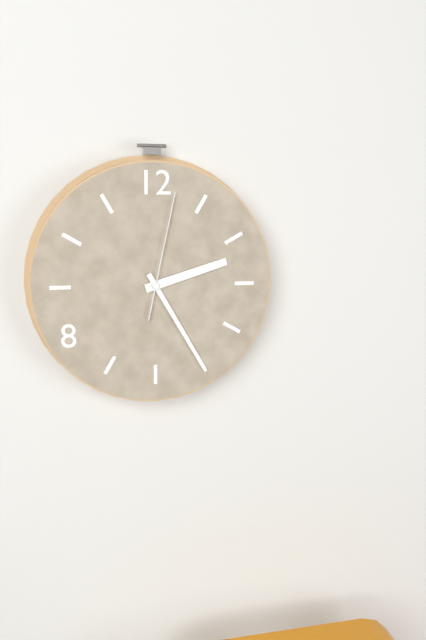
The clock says h=2 m=25 s=2
